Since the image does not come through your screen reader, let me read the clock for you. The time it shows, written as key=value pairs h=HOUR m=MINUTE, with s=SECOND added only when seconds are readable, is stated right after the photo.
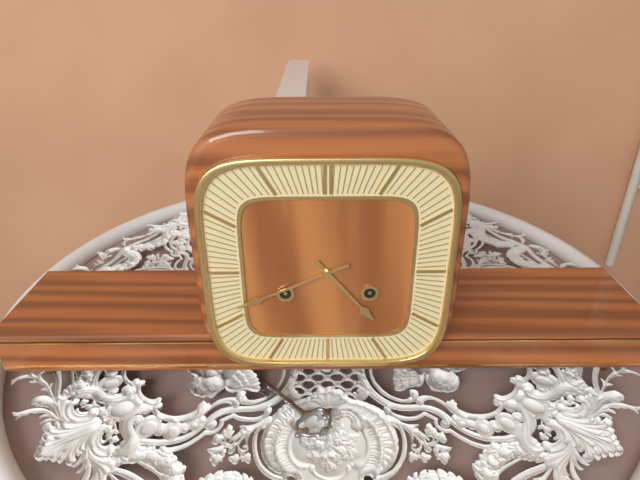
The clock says h=4 m=41
